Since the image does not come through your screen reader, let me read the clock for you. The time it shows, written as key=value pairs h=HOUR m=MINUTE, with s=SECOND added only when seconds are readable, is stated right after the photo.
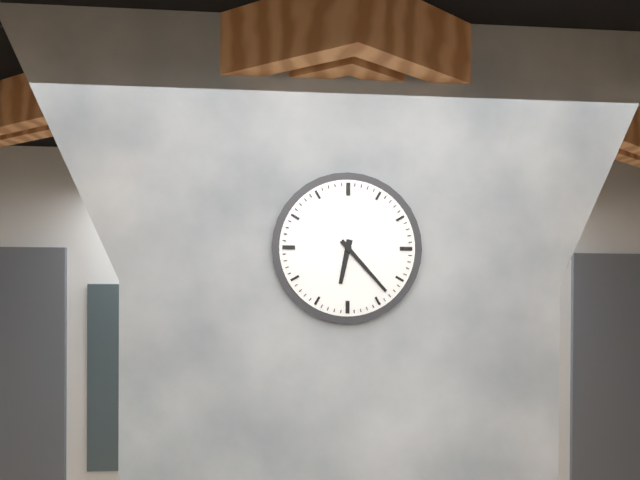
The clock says h=6 m=23
